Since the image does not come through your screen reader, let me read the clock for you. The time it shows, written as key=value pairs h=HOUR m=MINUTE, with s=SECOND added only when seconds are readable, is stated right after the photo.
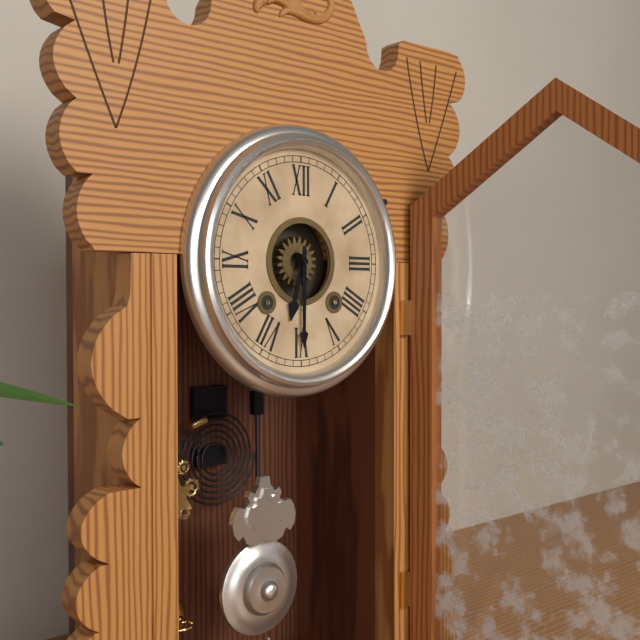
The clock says h=6 m=30
